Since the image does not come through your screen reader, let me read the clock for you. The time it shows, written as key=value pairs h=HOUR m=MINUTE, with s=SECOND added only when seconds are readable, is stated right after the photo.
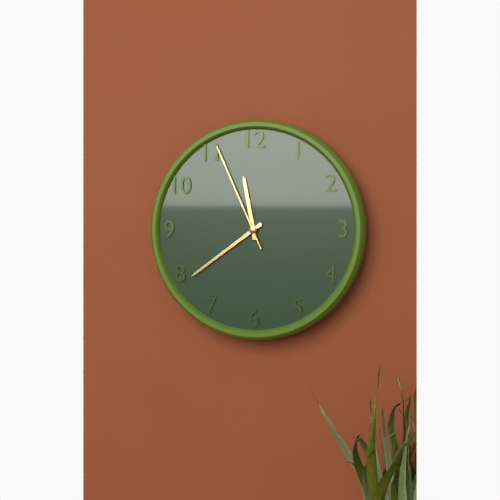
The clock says h=11 m=39 s=56
